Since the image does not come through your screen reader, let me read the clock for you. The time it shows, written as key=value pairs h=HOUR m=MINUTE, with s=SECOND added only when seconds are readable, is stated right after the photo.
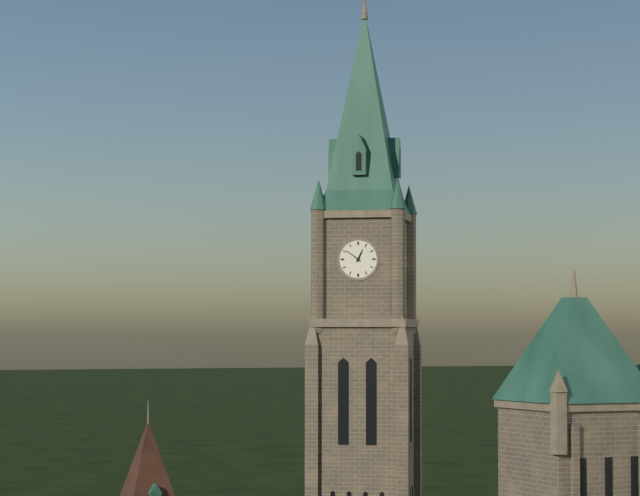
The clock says h=12 m=51
